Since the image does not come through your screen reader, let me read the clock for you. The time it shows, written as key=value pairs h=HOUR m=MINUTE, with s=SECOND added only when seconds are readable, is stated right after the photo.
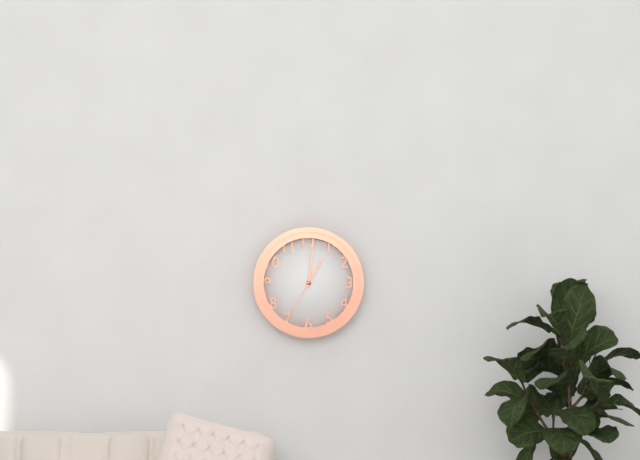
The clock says h=1 m=1 s=35
